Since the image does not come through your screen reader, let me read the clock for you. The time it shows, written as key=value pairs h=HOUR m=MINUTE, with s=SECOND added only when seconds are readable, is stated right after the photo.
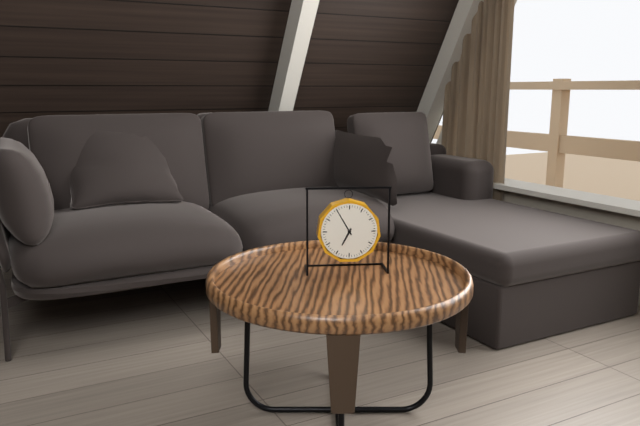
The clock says h=6 m=55
